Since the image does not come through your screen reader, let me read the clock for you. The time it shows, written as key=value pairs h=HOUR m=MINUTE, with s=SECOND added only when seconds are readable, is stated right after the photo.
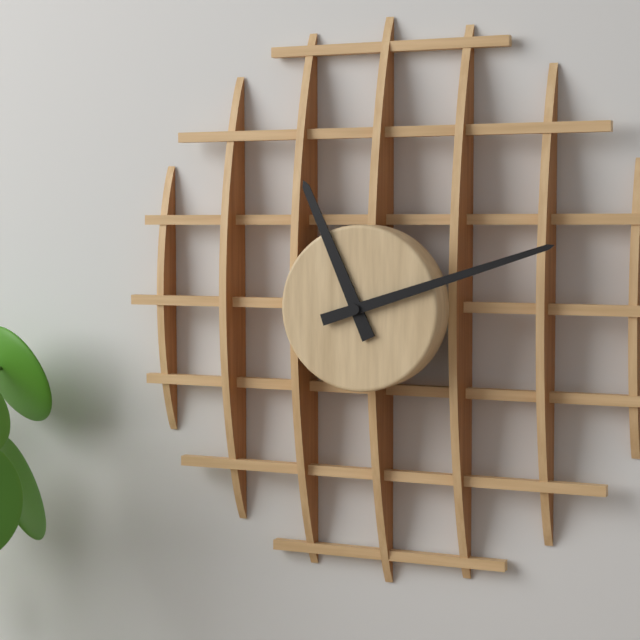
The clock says h=11 m=12
